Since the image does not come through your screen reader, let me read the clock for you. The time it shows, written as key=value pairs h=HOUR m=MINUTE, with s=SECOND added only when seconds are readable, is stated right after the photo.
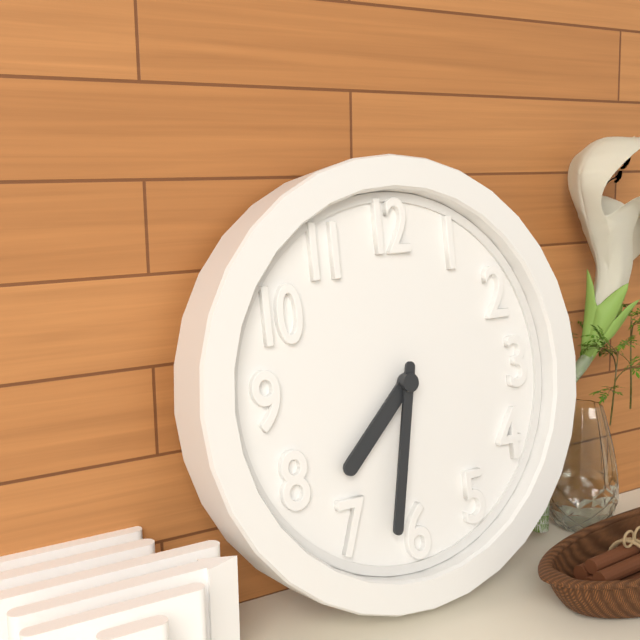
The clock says h=7 m=32
